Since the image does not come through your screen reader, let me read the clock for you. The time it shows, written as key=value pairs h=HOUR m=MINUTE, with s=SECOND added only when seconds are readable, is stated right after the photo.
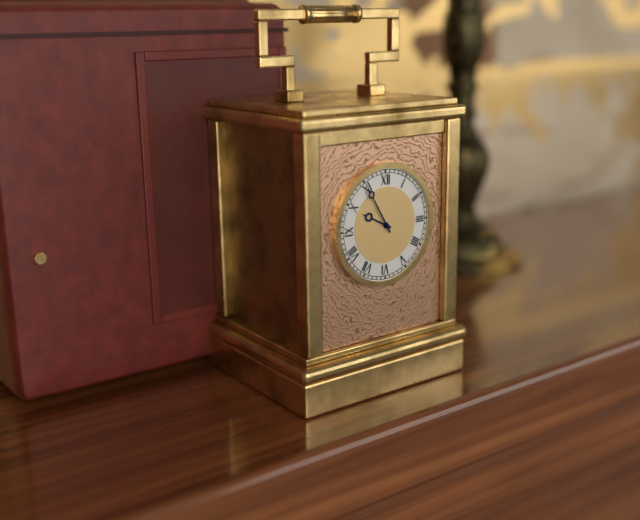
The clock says h=9 m=55
